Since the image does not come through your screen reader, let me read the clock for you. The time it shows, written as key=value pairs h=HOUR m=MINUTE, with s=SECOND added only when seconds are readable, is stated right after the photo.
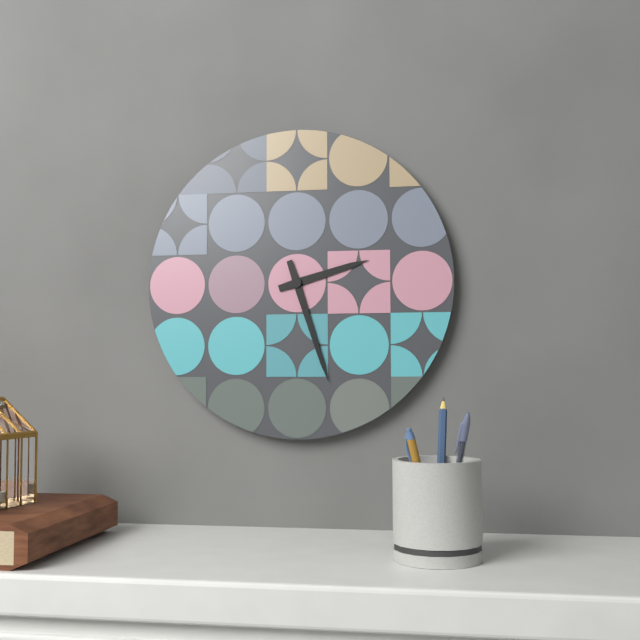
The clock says h=2 m=27
